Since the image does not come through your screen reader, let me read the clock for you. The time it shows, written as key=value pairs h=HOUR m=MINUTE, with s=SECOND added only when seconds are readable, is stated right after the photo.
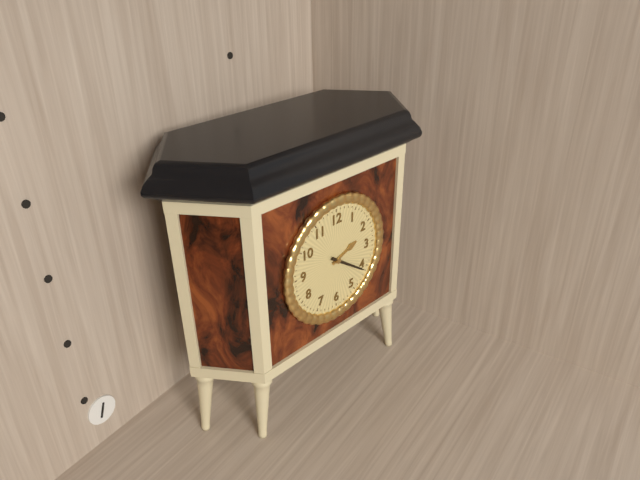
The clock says h=2 m=21
